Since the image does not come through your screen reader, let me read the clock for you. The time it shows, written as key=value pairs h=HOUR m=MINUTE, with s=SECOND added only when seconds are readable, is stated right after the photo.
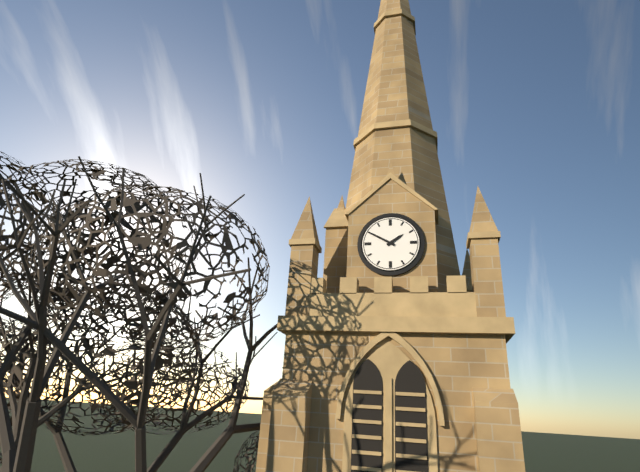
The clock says h=1 m=50
